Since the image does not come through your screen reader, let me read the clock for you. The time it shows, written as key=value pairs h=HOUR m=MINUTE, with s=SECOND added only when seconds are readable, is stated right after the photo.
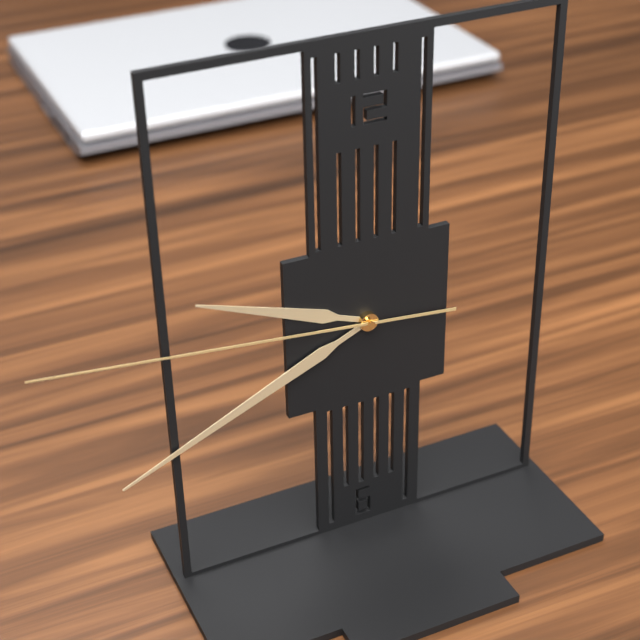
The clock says h=9 m=41 s=46
